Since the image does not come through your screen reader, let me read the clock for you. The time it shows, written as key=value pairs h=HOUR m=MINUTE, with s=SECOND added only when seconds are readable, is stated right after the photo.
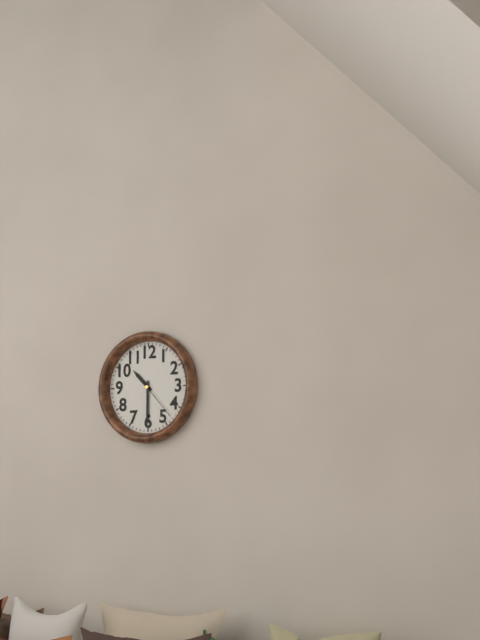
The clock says h=10 m=30
